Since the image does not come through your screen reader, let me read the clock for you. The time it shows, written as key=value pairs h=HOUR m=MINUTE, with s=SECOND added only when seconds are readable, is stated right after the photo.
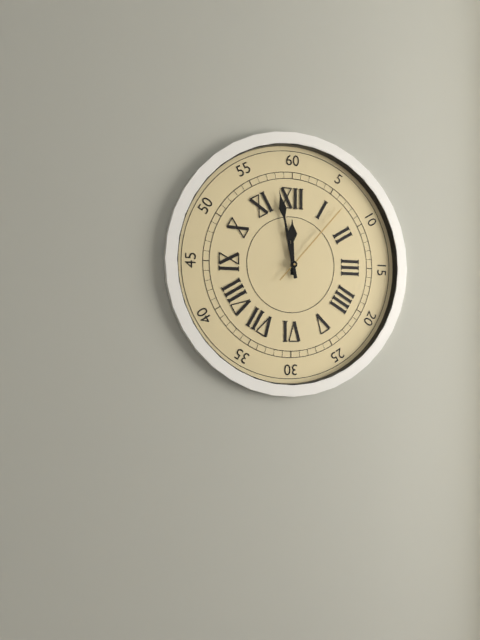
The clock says h=11 m=58 s=7
